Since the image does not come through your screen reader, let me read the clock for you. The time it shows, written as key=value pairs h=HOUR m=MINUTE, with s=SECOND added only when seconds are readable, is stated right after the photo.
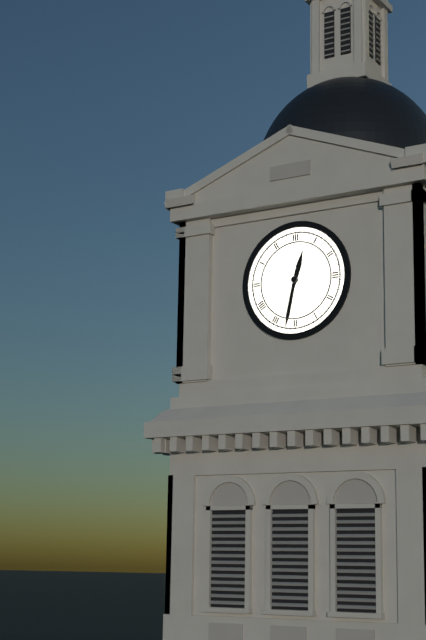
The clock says h=12 m=32
